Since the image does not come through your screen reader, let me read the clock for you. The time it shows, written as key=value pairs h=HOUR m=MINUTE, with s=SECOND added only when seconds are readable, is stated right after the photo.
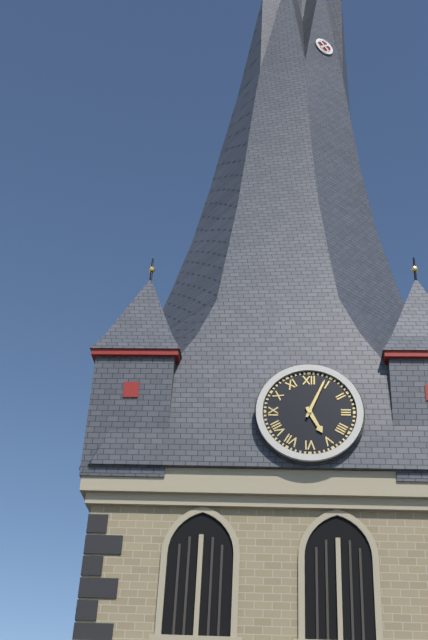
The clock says h=5 m=4
